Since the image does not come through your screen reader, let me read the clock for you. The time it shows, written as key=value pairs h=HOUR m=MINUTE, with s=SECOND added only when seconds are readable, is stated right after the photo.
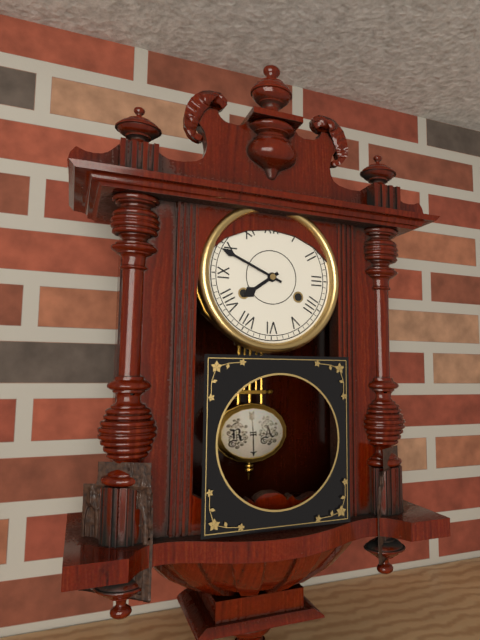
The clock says h=7 m=49
